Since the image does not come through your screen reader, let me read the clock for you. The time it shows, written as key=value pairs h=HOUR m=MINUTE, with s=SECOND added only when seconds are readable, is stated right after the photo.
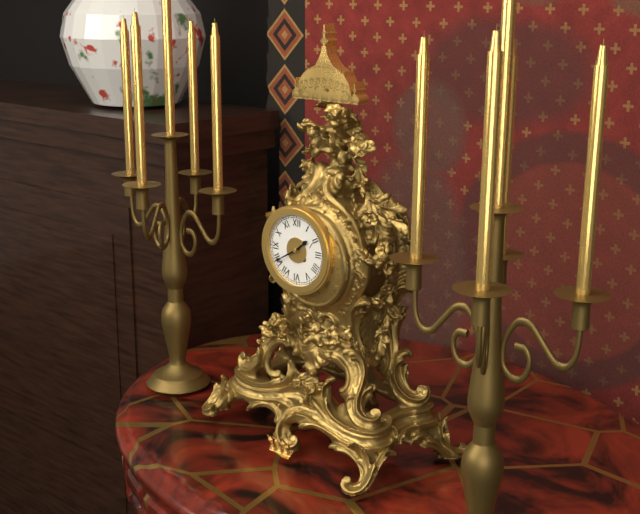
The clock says h=1 m=40
